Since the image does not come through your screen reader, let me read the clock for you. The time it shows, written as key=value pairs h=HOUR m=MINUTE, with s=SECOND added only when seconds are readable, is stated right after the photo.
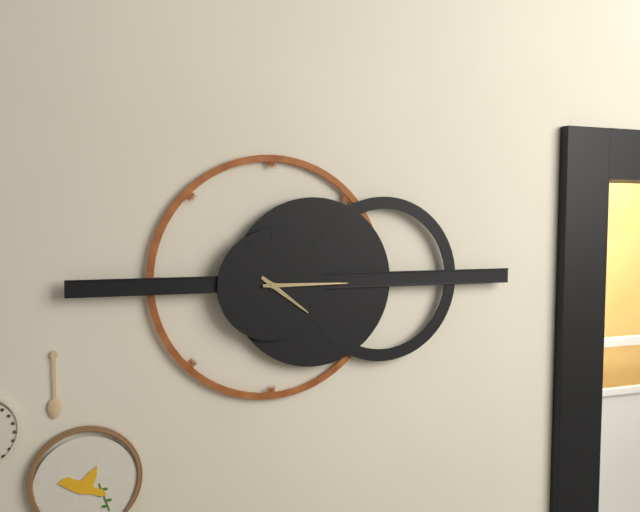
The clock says h=4 m=15
